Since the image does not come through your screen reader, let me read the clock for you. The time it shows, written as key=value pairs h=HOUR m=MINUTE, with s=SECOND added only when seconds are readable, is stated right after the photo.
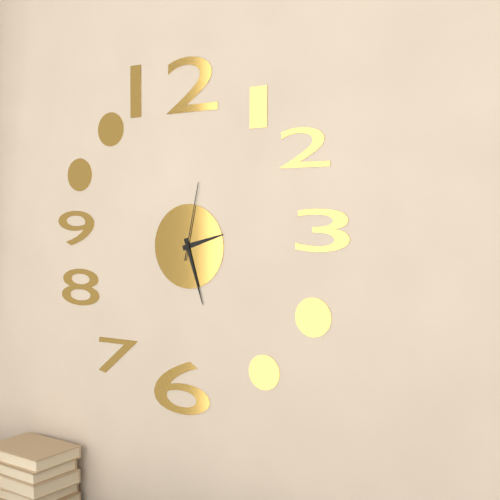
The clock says h=2 m=27 s=2
